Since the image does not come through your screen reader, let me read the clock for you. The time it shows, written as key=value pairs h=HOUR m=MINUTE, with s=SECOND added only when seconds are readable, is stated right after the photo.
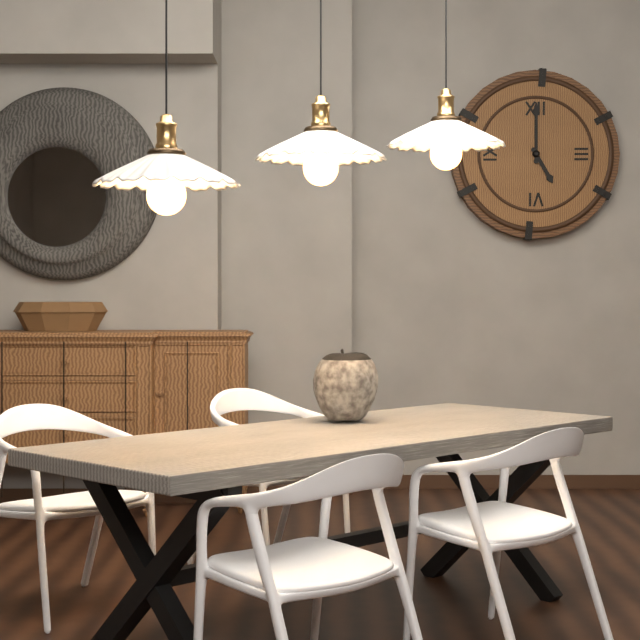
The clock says h=5 m=0
